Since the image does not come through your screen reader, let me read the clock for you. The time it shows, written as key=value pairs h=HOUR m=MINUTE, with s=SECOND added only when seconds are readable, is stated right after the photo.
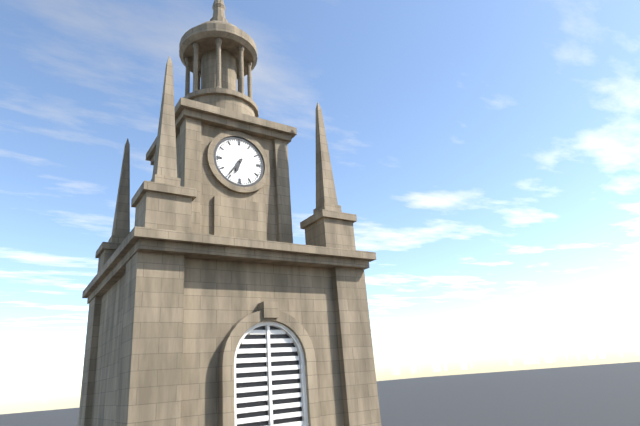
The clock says h=6 m=36
